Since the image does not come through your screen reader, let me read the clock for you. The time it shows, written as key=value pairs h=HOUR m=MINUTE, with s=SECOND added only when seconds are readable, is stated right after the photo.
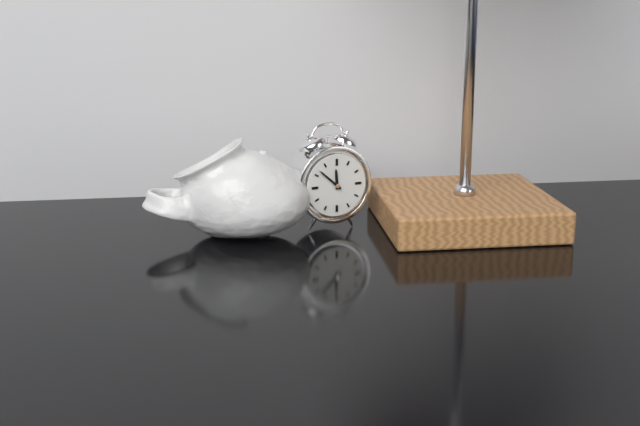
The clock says h=11 m=52
